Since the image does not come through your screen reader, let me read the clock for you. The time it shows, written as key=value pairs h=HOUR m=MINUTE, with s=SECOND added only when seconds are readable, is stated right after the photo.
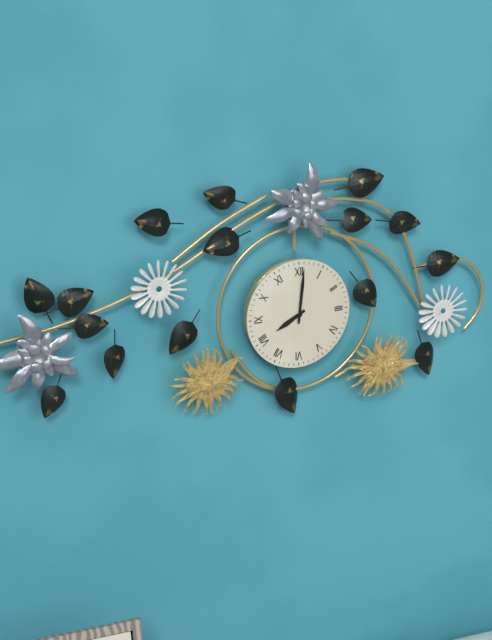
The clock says h=8 m=1
